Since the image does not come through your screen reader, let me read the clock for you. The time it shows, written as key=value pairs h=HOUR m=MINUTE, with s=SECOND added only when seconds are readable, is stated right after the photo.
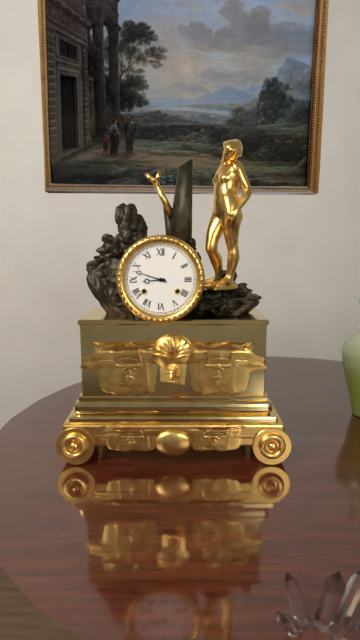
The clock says h=8 m=48
